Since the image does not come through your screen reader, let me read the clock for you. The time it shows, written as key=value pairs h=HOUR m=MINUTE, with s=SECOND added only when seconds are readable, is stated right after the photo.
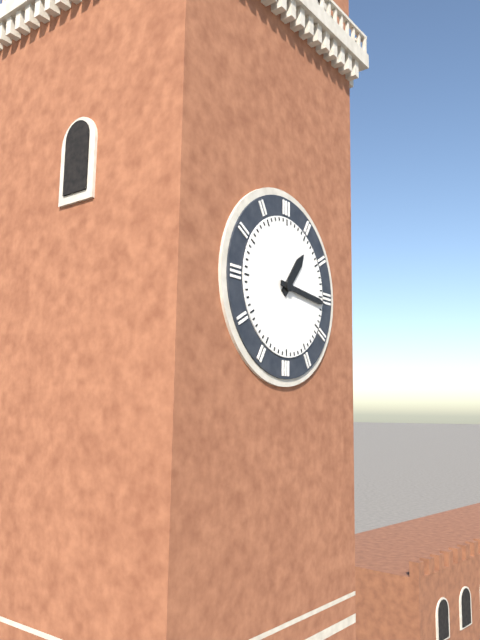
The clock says h=1 m=16
